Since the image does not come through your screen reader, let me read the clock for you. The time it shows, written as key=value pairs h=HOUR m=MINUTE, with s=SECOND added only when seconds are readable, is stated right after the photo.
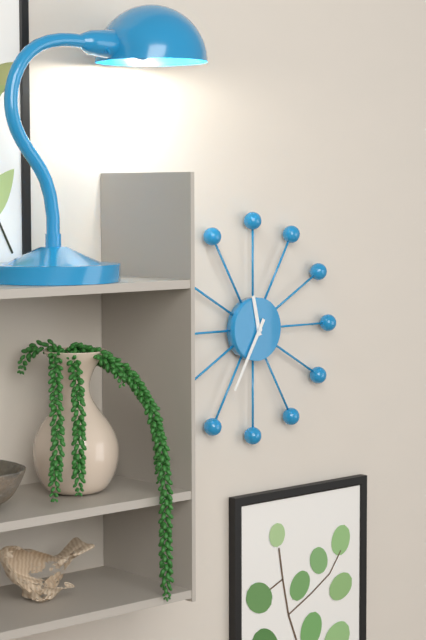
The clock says h=11 m=35
